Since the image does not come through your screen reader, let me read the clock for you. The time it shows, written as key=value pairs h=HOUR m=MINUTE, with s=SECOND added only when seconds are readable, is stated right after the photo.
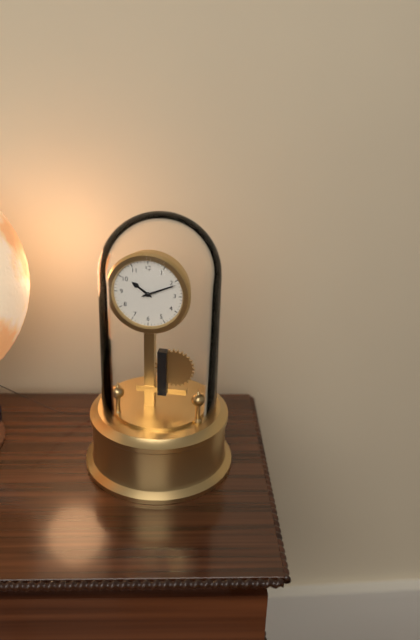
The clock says h=10 m=11
